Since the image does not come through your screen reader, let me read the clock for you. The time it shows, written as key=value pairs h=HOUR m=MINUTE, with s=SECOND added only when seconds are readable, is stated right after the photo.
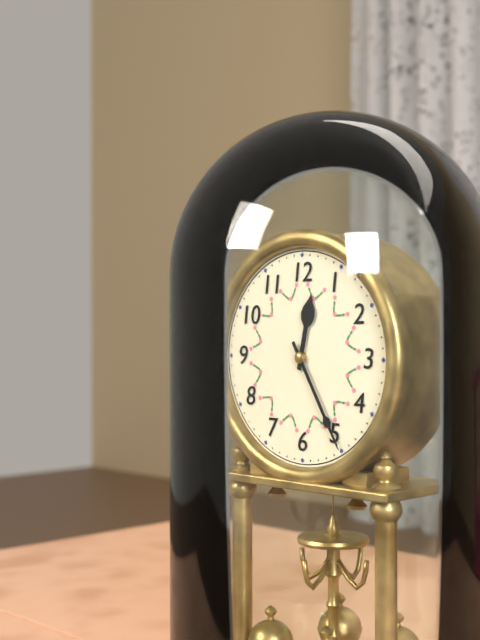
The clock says h=12 m=25
